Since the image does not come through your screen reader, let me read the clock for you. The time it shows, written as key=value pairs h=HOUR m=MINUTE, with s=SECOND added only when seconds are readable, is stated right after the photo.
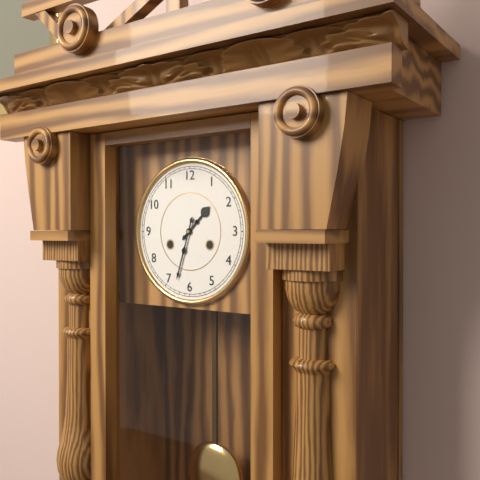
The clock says h=1 m=33
